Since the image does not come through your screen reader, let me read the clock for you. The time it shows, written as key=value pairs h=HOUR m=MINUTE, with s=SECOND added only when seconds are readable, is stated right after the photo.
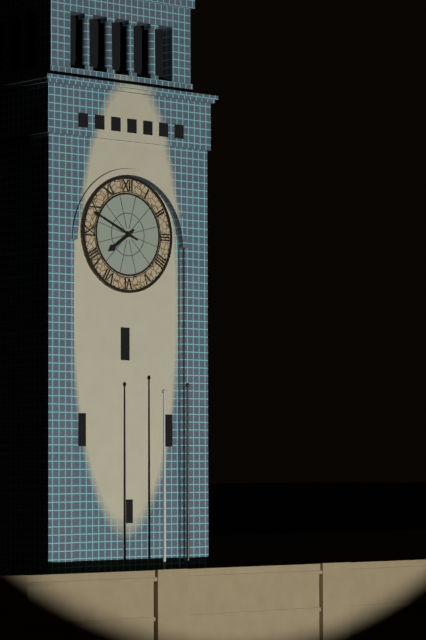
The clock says h=7 m=49
